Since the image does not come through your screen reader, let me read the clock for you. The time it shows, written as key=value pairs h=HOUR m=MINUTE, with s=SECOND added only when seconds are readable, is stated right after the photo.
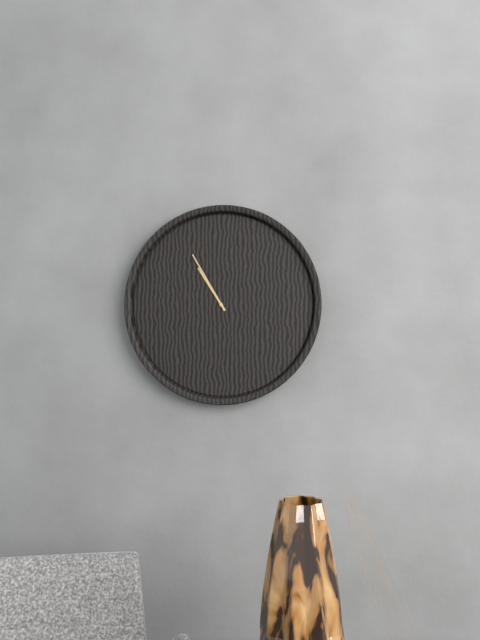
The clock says h=10 m=55
